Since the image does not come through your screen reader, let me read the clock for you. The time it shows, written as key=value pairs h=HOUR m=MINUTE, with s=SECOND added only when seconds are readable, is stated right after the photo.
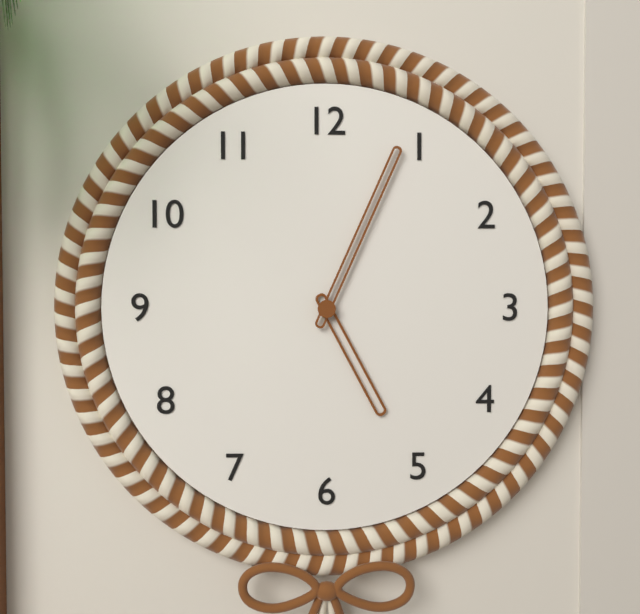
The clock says h=5 m=4
